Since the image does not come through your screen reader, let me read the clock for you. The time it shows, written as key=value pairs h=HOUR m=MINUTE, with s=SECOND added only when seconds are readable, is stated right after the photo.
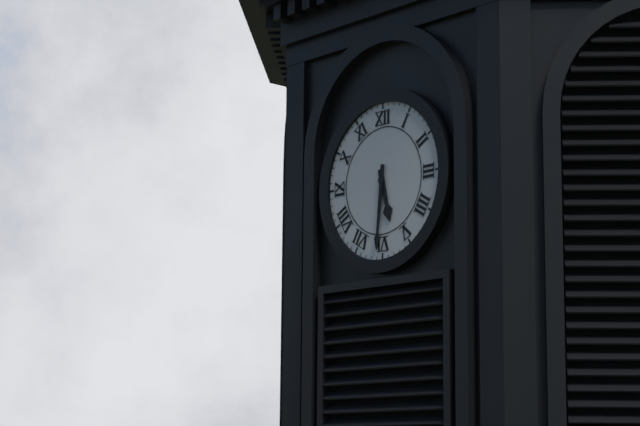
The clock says h=5 m=31
